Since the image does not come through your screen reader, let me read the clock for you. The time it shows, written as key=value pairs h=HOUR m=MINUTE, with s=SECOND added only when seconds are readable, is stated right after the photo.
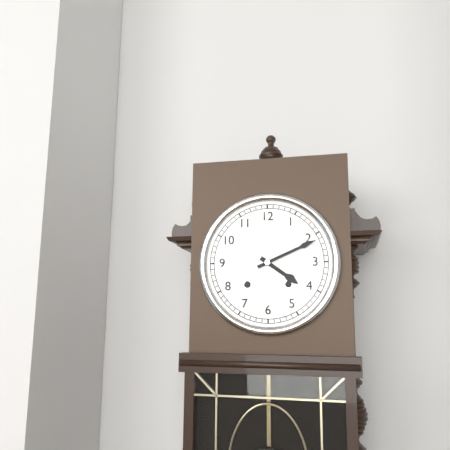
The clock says h=4 m=11
